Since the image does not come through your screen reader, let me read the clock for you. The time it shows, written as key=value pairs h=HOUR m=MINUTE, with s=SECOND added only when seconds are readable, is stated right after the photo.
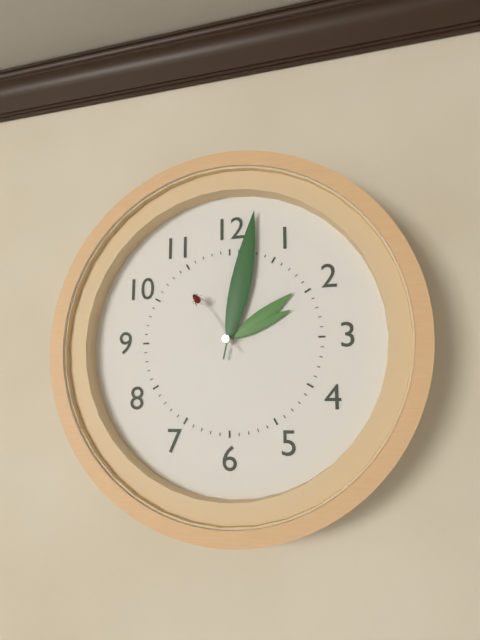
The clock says h=2 m=2 s=54
